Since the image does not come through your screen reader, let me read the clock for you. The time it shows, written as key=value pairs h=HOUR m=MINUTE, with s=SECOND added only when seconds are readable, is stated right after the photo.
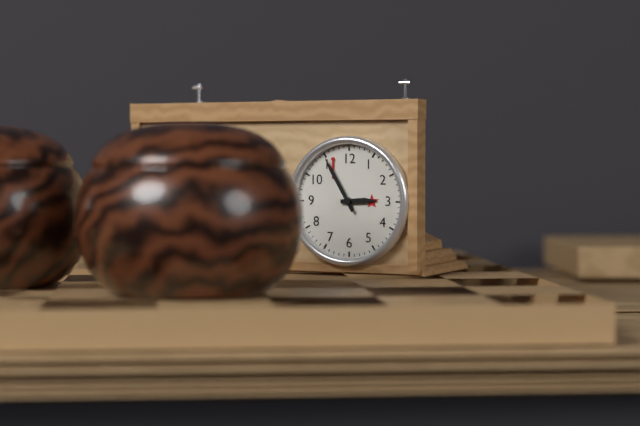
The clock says h=2 m=55
